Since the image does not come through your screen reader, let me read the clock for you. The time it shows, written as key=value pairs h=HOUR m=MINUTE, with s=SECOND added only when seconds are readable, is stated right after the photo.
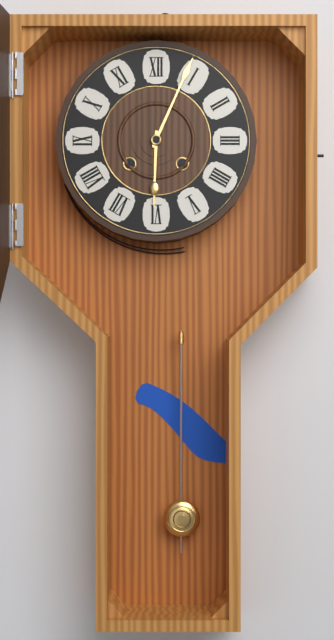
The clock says h=6 m=4
